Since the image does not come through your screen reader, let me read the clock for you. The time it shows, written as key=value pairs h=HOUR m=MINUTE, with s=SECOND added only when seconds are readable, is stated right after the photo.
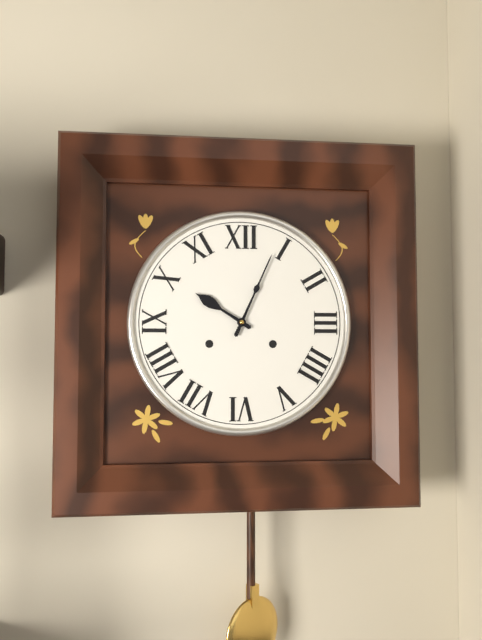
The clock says h=10 m=4
